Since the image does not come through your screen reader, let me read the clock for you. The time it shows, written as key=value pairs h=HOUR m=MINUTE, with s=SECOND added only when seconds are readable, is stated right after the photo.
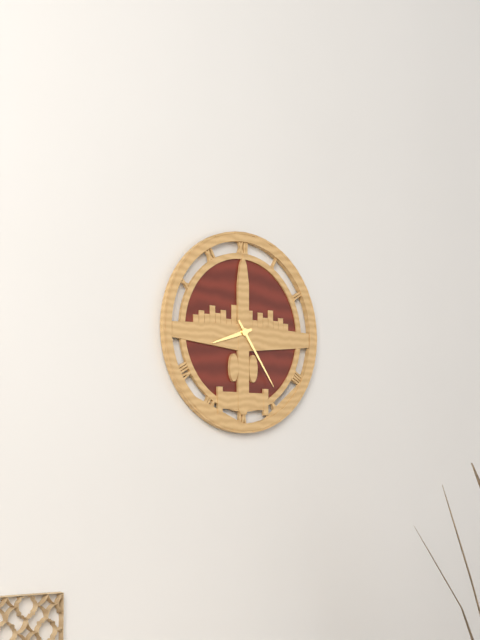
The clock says h=8 m=24
